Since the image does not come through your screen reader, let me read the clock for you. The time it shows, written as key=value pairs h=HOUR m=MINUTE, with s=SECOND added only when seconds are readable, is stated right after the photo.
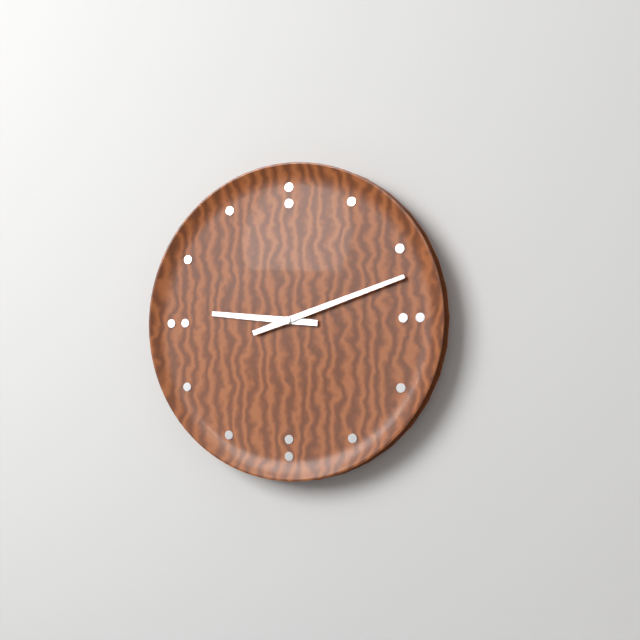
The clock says h=9 m=12
